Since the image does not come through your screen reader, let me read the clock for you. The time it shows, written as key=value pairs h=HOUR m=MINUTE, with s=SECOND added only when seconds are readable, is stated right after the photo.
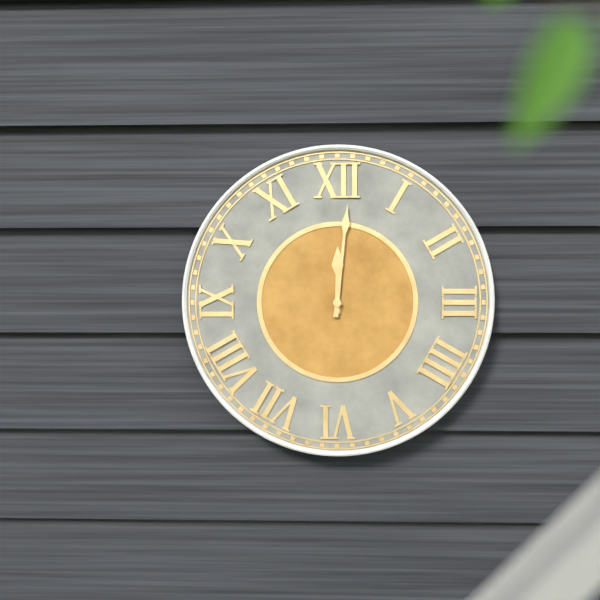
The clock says h=12 m=1
